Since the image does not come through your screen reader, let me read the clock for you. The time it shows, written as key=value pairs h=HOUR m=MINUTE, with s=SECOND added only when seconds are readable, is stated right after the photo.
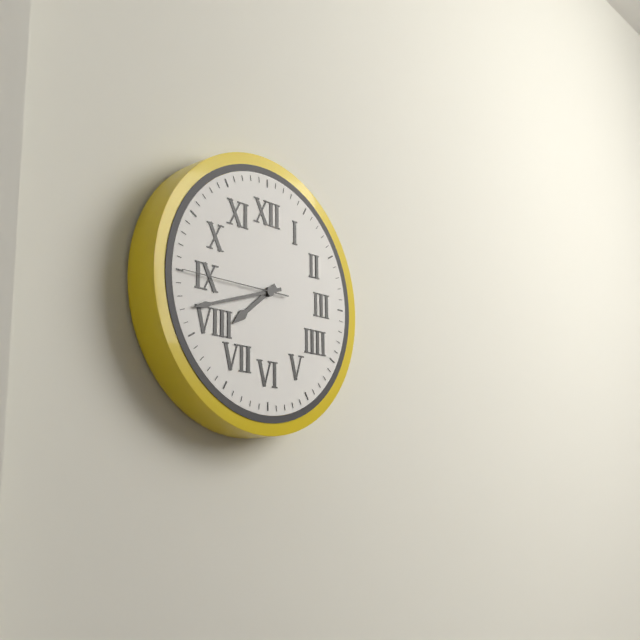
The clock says h=7 m=42 s=45
